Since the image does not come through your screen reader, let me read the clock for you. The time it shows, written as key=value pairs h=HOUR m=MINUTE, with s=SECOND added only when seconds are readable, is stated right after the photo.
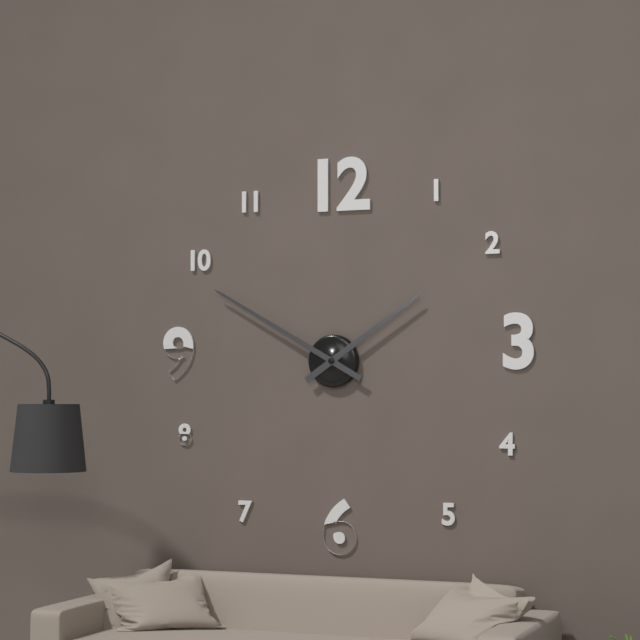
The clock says h=1 m=50
